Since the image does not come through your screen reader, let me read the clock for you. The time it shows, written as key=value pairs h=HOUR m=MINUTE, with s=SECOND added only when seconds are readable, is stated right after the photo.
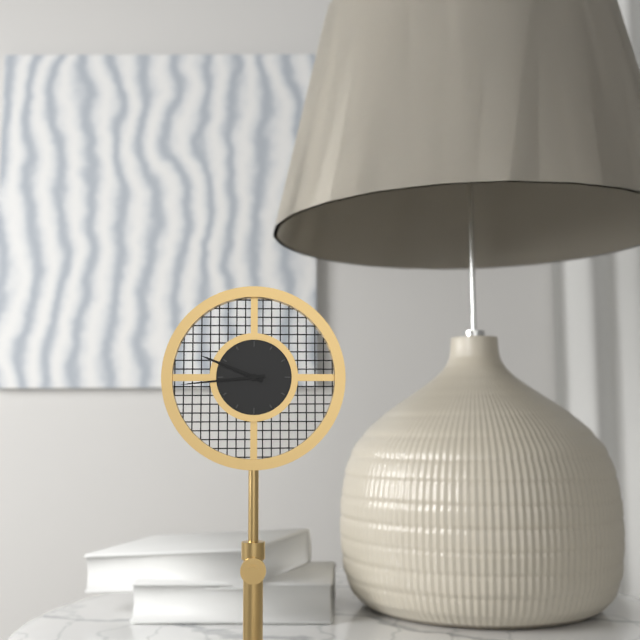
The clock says h=9 m=44
